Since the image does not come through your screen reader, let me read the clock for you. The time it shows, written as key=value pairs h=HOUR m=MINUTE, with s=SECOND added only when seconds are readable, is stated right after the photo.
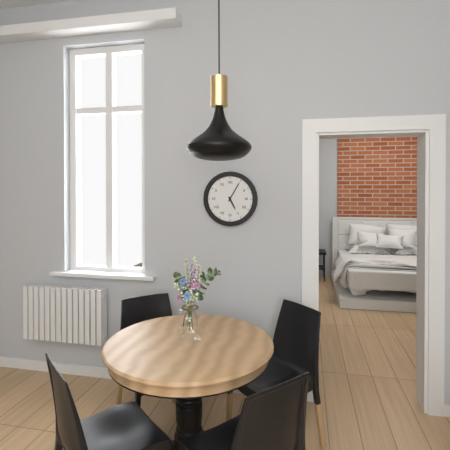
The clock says h=5 m=5
